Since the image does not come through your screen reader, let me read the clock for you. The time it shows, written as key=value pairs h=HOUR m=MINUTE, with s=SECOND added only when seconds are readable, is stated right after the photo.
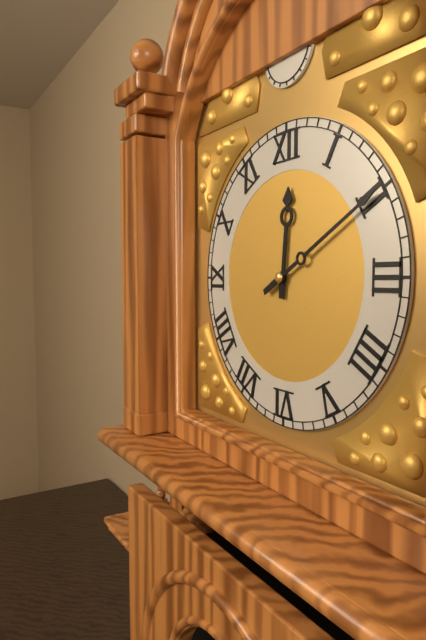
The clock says h=12 m=10
